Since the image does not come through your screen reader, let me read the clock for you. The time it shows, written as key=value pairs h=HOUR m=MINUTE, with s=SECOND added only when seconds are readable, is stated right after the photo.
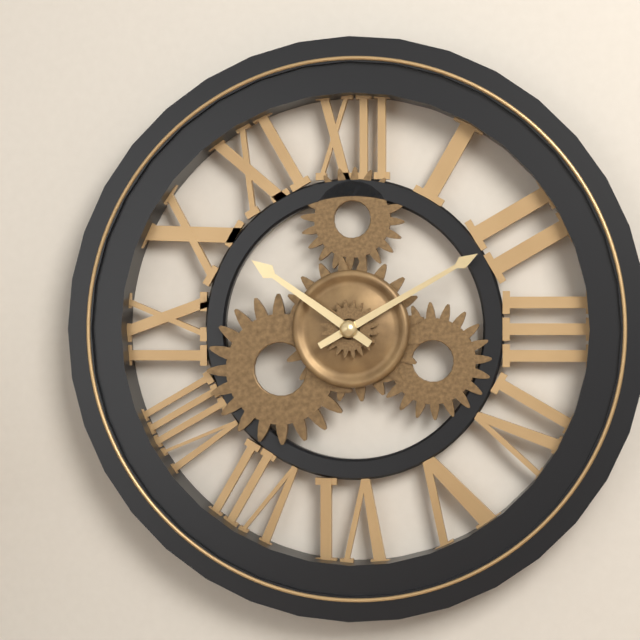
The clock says h=10 m=10
